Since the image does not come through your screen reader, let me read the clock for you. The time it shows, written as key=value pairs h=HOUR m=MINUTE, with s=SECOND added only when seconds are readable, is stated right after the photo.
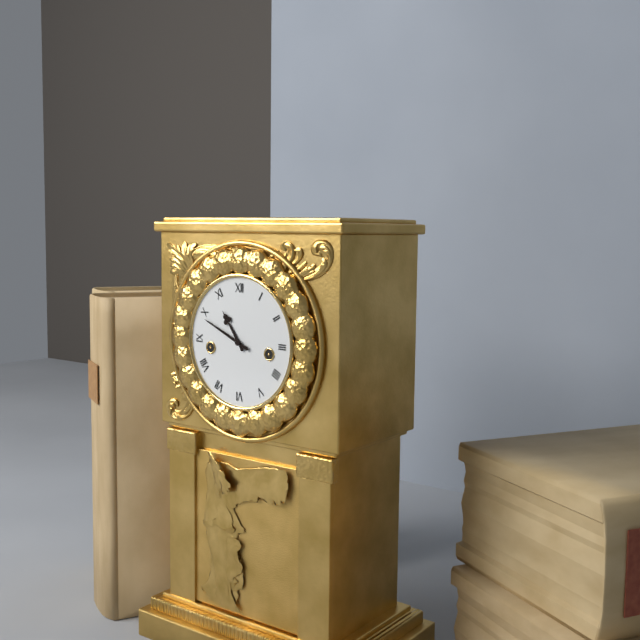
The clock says h=10 m=49
